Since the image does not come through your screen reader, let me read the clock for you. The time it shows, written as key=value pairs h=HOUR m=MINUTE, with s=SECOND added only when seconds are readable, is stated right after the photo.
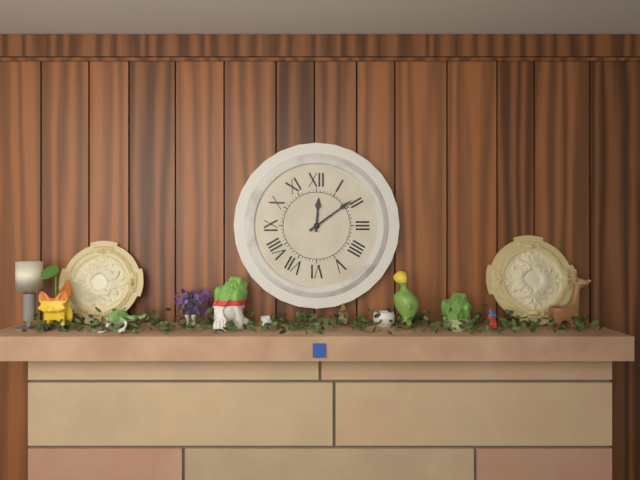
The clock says h=12 m=9
